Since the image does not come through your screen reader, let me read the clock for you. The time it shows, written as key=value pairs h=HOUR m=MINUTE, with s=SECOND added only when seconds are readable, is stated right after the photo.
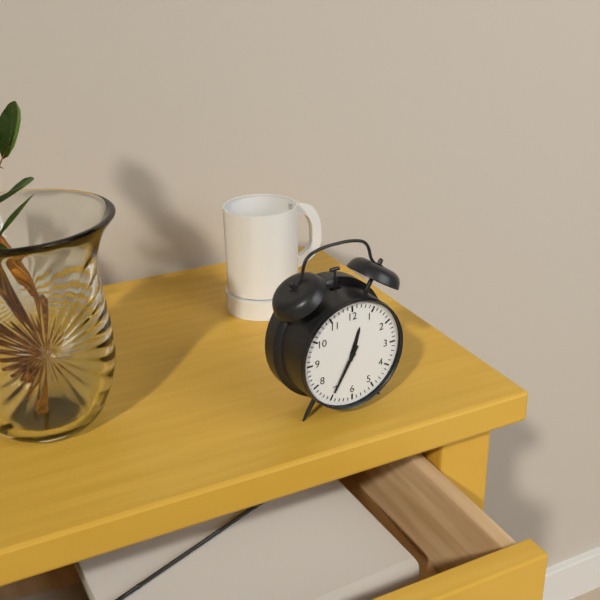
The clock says h=12 m=35
